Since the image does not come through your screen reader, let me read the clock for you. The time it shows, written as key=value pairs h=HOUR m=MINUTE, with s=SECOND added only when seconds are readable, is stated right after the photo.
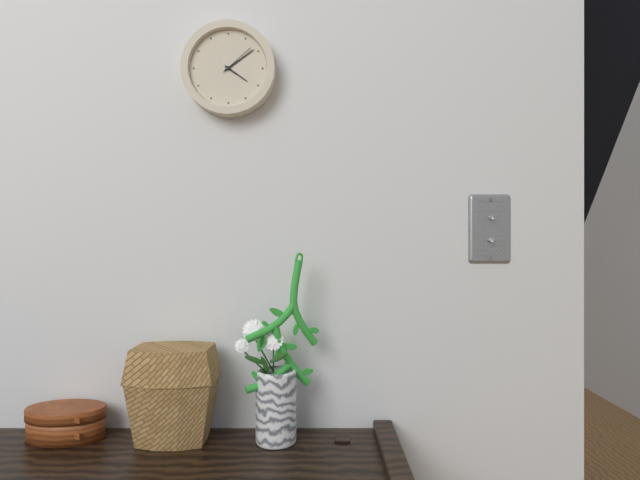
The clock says h=4 m=9
